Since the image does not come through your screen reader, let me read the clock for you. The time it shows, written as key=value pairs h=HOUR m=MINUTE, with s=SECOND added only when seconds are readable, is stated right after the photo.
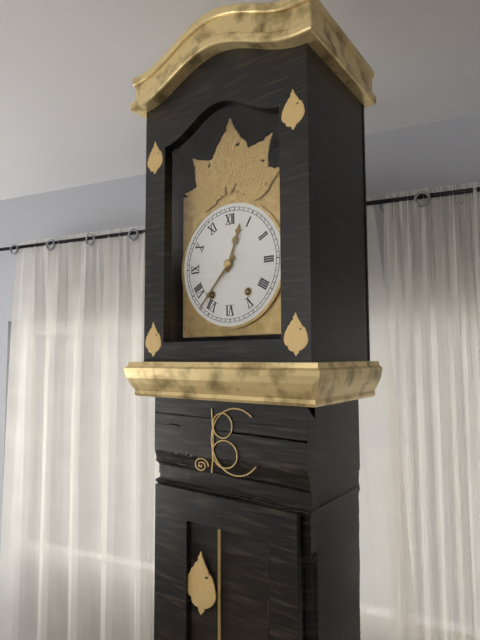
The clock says h=12 m=37
